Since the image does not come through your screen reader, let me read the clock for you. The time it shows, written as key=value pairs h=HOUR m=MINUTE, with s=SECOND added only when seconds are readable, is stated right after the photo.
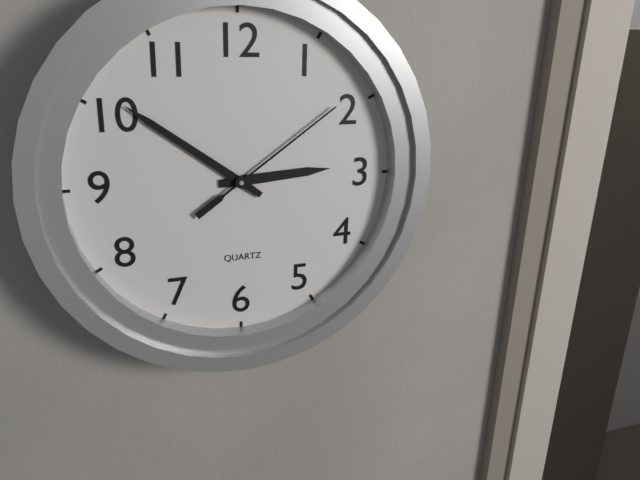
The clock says h=2 m=51 s=9
